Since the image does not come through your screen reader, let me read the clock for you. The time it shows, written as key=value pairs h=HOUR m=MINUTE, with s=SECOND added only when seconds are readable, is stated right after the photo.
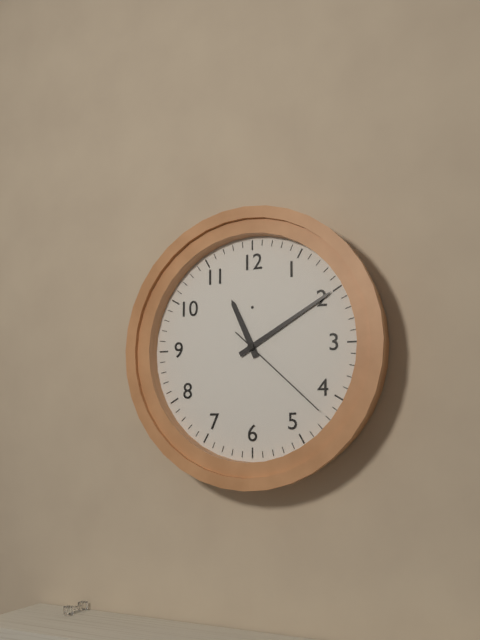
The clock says h=11 m=10 s=22
